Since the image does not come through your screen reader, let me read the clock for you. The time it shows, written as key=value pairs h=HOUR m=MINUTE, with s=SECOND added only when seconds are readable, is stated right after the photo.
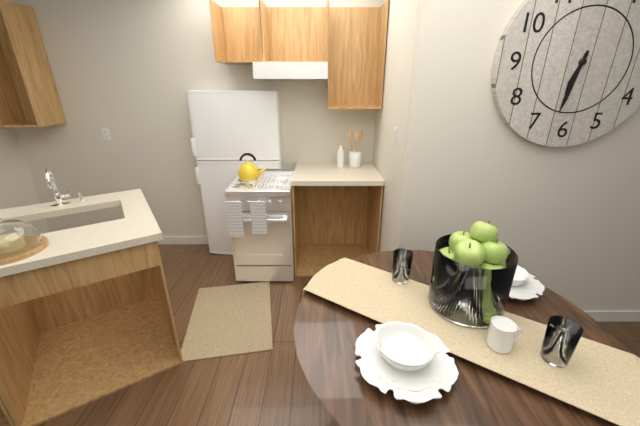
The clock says h=6 m=32
